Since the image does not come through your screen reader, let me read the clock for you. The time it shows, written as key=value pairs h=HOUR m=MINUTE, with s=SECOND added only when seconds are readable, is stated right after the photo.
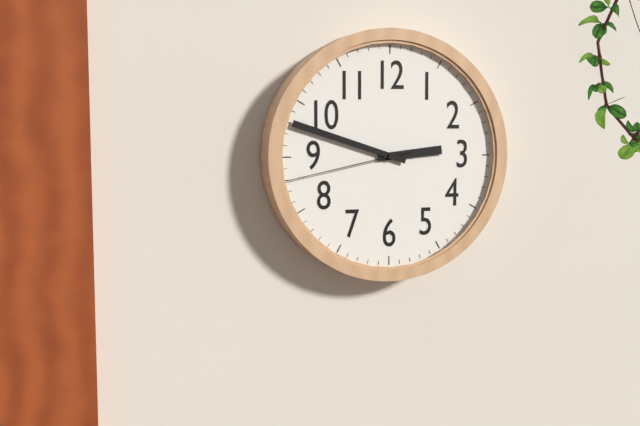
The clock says h=2 m=48 s=43
